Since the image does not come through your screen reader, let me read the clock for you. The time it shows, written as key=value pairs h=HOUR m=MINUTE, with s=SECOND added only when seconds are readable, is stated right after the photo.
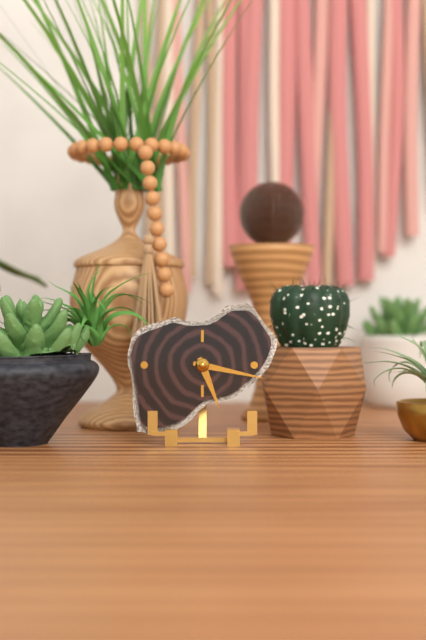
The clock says h=5 m=17
